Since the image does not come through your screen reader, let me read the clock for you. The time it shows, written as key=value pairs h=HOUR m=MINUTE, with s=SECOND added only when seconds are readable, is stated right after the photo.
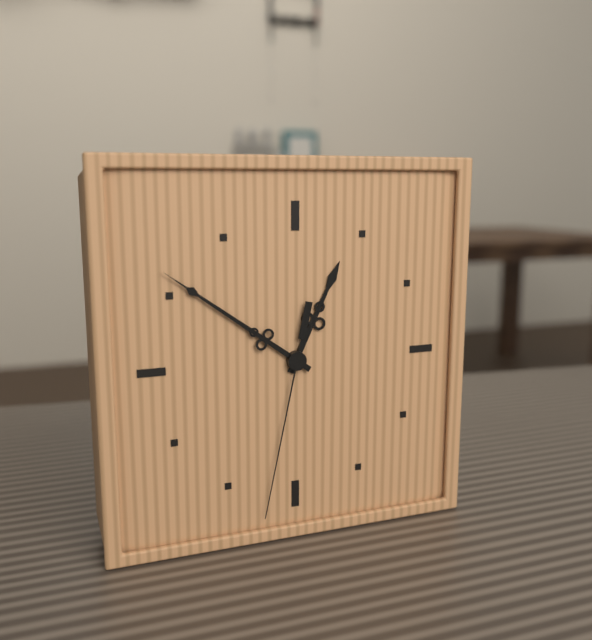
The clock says h=12 m=51 s=32
